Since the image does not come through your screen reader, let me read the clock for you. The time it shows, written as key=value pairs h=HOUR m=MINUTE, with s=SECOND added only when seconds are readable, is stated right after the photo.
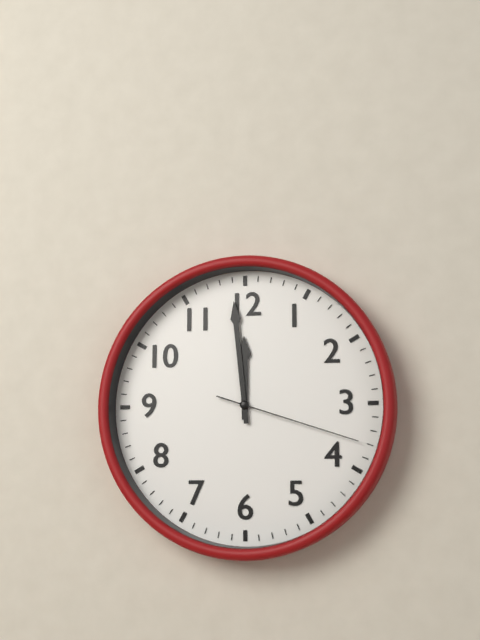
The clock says h=11 m=59 s=18
